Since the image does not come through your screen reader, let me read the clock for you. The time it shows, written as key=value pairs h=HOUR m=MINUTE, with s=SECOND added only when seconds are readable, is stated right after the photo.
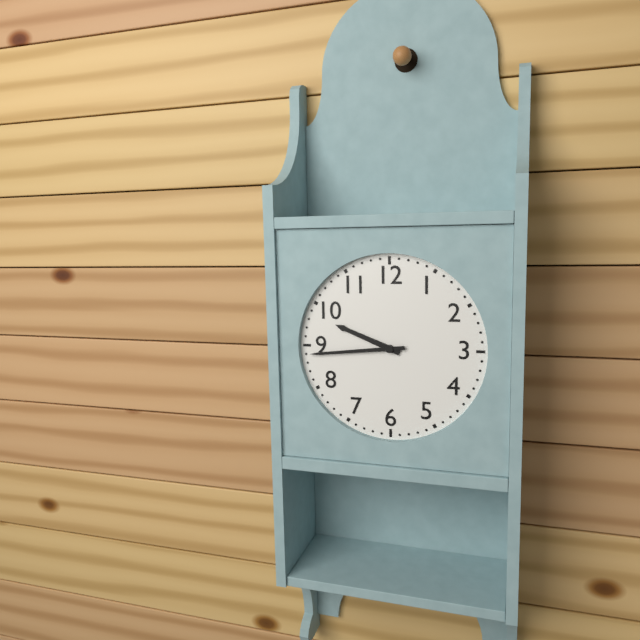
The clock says h=9 m=44
